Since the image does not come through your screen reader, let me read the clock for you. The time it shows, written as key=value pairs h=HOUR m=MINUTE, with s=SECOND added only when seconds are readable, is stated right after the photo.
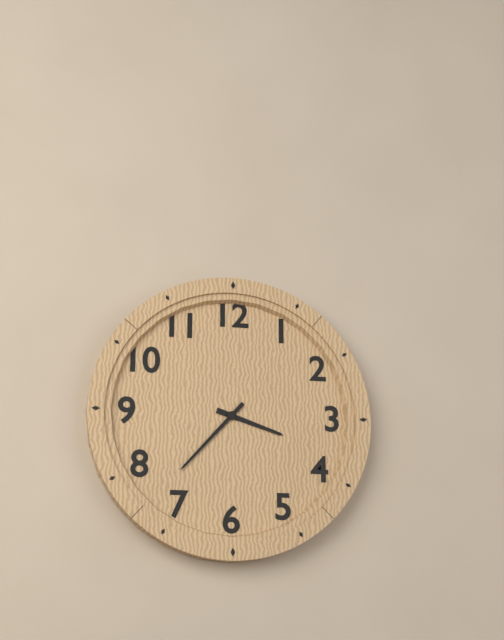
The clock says h=3 m=37
